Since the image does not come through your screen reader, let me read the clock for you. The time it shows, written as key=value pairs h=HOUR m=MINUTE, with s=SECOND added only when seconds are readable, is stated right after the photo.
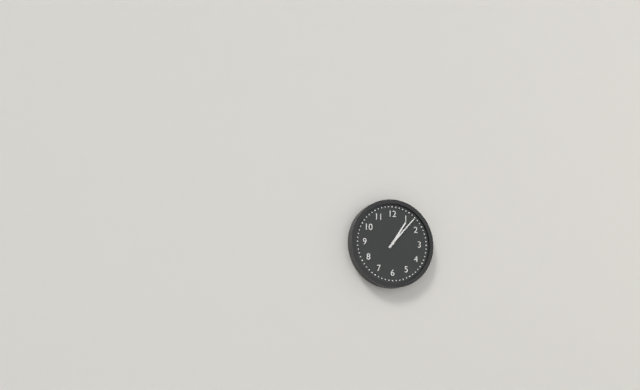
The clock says h=1 m=7
